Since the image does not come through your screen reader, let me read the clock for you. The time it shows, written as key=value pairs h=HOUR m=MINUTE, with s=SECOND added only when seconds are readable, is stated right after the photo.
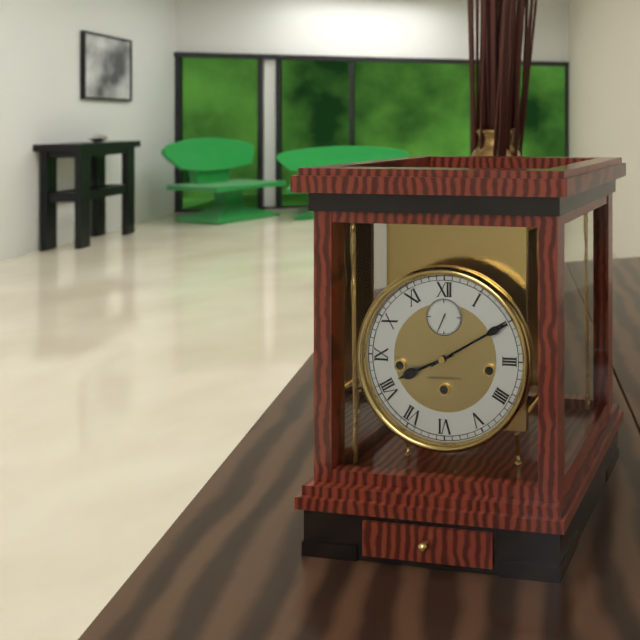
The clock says h=8 m=10
